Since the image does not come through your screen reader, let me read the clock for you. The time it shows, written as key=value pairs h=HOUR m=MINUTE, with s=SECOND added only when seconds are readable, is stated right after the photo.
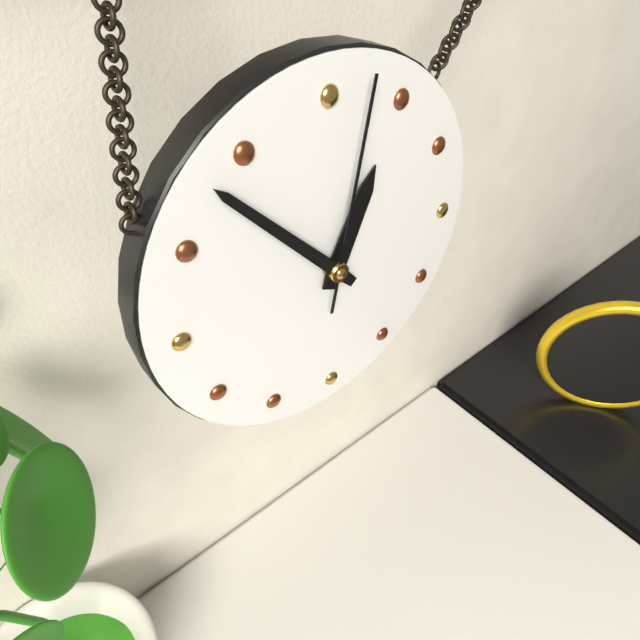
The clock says h=12 m=53 s=2
